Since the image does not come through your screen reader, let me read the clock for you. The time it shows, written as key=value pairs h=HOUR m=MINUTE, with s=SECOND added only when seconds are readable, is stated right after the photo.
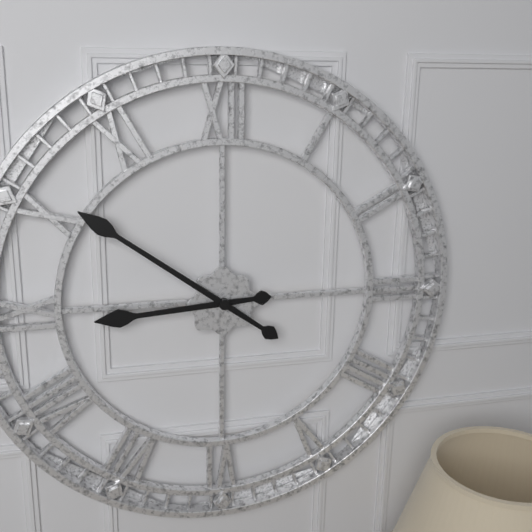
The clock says h=8 m=51
